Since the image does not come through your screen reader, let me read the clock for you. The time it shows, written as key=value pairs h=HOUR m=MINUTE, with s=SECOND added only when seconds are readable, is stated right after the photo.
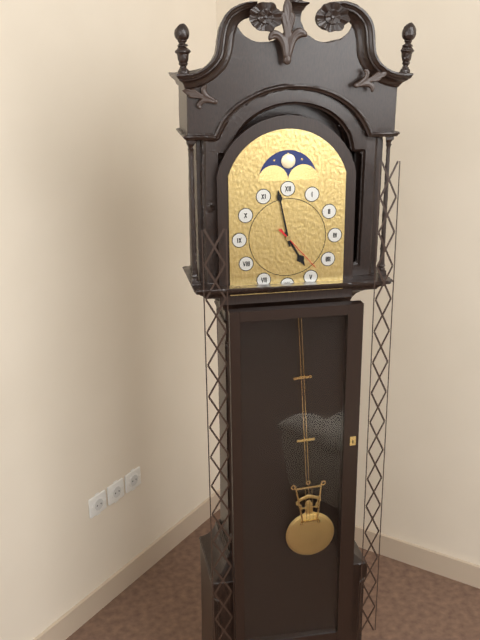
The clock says h=4 m=58 s=23
